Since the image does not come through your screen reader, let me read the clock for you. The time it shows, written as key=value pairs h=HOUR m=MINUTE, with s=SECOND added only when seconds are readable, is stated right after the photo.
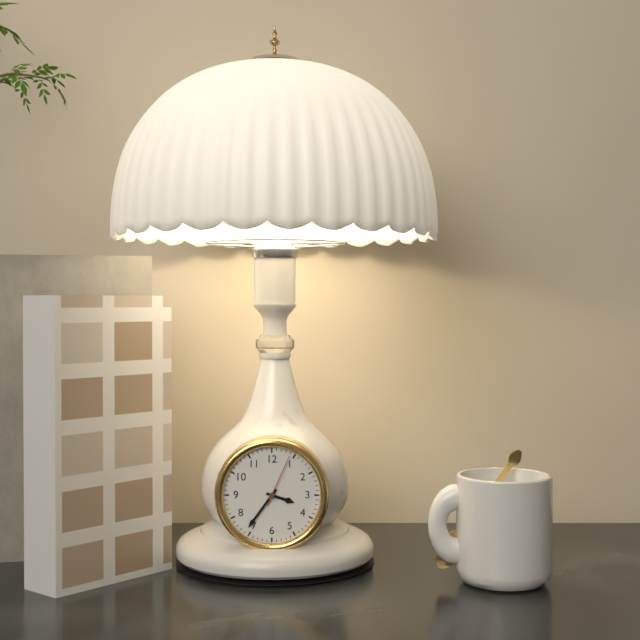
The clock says h=3 m=36 s=4
